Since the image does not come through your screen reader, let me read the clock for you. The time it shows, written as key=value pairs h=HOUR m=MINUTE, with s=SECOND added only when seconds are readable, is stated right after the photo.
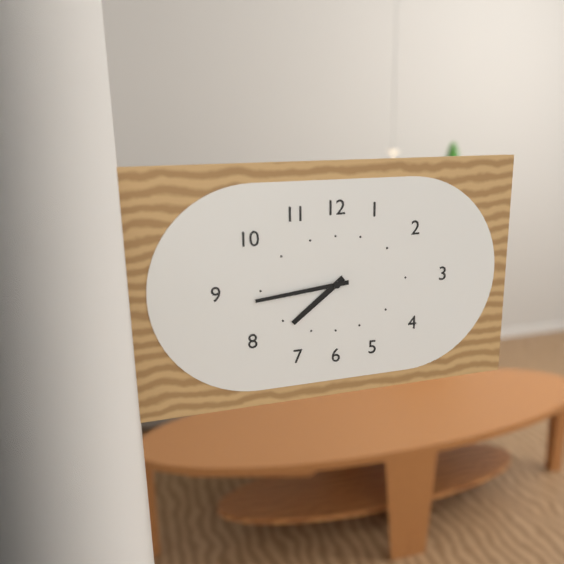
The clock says h=7 m=44
